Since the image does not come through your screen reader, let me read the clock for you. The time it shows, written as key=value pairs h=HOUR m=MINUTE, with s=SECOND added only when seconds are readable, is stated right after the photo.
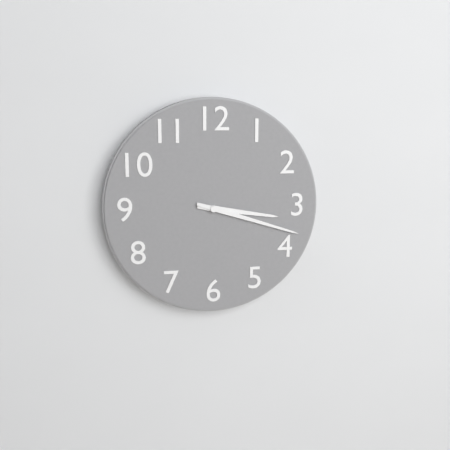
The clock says h=3 m=18
